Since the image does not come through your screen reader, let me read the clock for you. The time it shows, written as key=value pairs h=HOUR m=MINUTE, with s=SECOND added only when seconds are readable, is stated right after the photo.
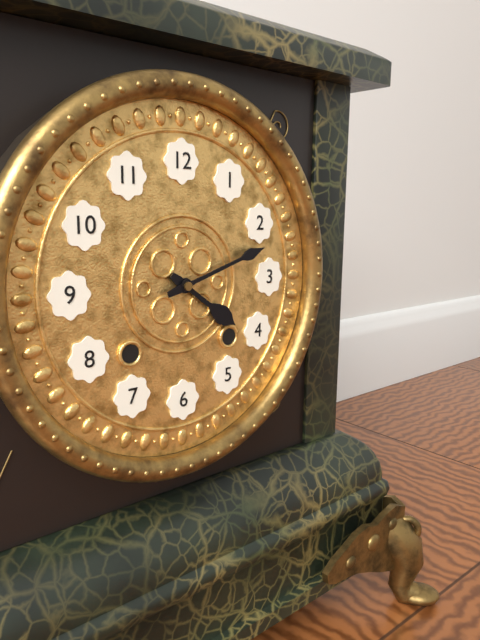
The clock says h=4 m=12
